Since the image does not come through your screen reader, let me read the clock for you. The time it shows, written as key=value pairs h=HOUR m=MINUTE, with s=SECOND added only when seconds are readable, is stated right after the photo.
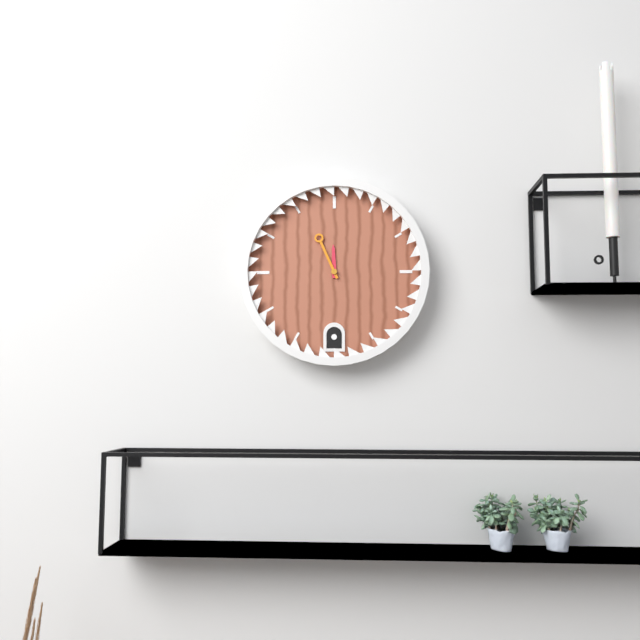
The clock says h=11 m=56
